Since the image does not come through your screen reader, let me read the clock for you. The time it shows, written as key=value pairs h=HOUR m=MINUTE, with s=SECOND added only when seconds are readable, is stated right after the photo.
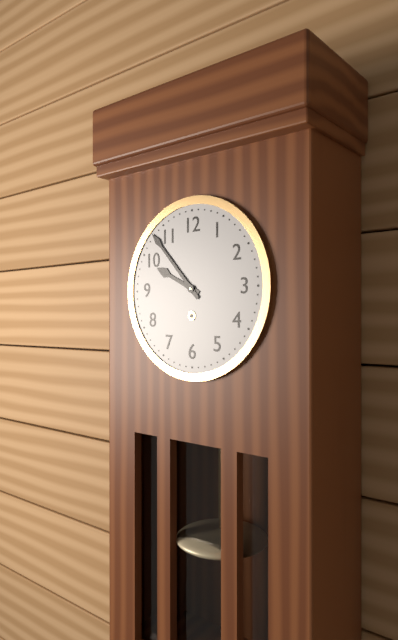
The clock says h=9 m=53
